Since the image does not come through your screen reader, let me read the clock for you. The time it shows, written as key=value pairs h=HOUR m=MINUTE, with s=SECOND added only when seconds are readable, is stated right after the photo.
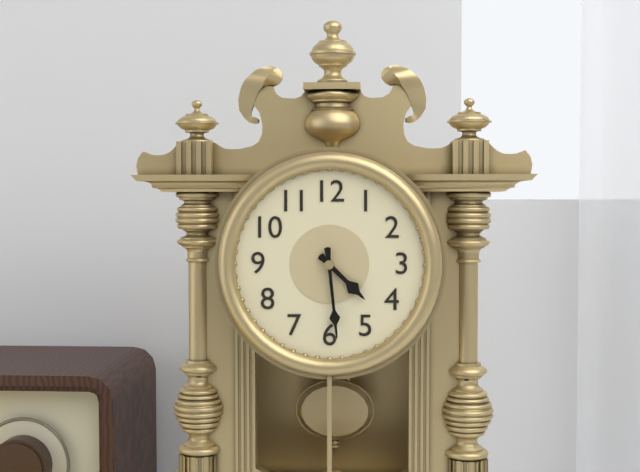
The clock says h=4 m=29
